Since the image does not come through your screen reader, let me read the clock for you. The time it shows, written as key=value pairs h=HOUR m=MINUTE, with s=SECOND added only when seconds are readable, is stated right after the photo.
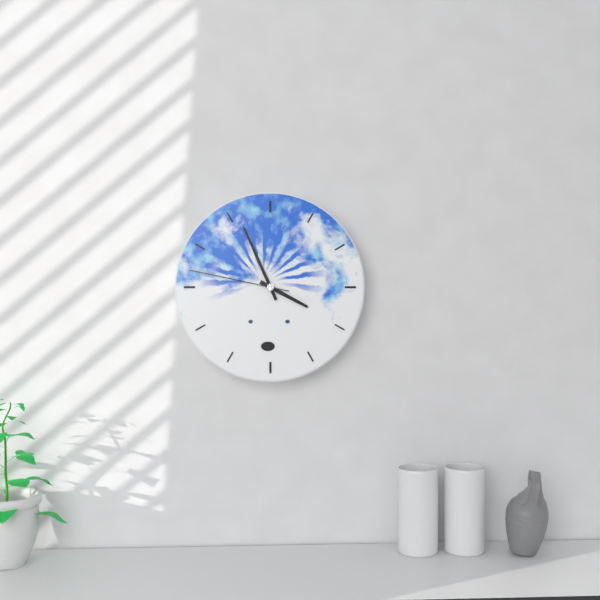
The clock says h=3 m=56 s=47
